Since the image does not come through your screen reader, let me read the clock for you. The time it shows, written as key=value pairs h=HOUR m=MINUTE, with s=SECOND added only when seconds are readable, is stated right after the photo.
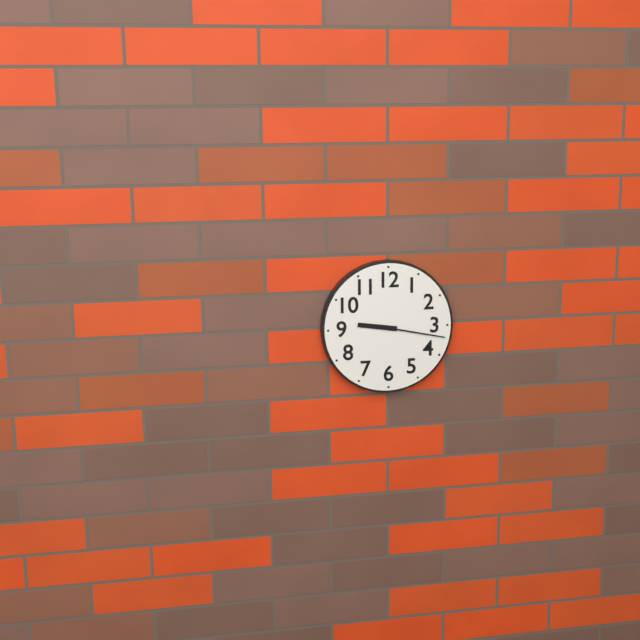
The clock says h=9 m=17
